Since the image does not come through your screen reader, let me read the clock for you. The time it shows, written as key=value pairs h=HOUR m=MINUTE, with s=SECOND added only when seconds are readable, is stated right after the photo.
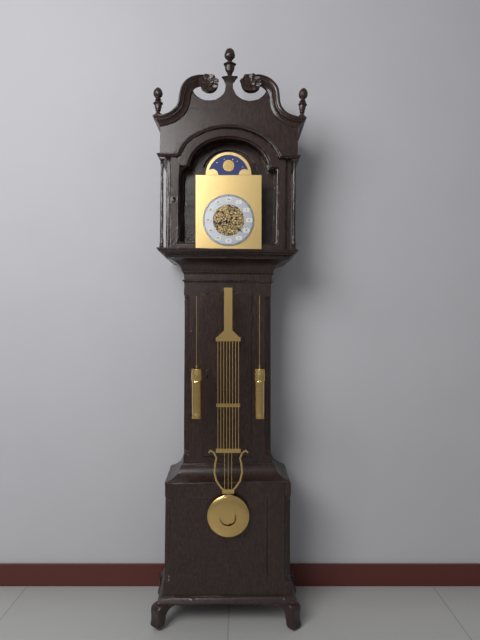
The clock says h=8 m=22
